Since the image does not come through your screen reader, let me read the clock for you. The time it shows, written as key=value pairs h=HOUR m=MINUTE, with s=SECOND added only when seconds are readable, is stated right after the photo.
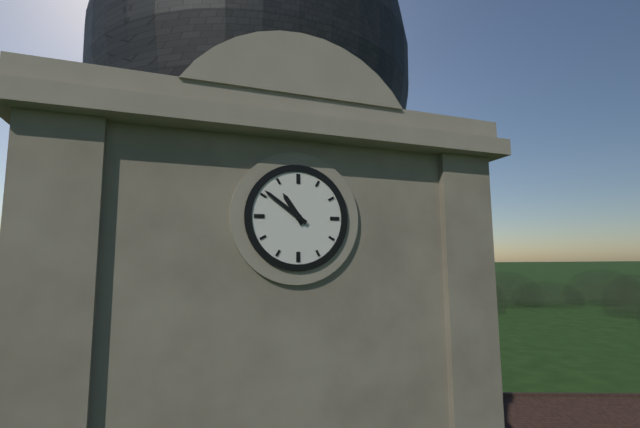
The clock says h=10 m=51
